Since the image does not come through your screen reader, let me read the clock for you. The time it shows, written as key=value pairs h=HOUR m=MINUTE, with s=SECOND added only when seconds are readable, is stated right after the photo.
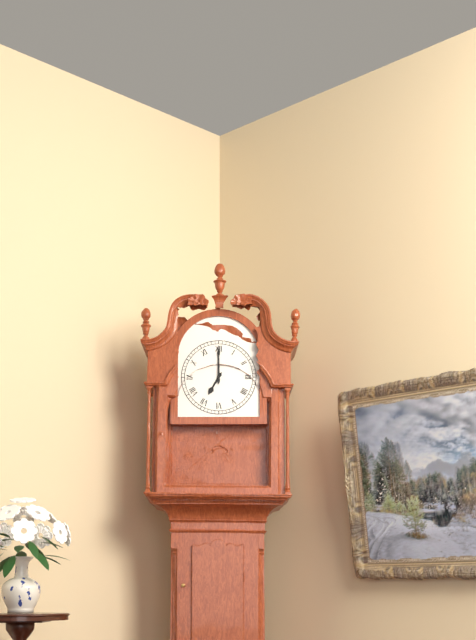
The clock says h=7 m=0
